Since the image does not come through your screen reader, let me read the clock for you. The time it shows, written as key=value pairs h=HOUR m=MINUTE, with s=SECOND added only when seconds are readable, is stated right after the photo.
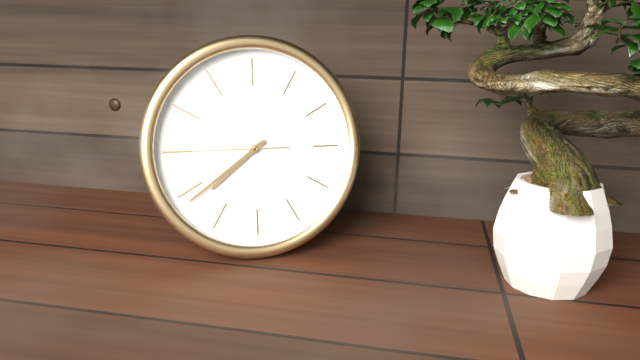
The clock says h=7 m=39 s=45
